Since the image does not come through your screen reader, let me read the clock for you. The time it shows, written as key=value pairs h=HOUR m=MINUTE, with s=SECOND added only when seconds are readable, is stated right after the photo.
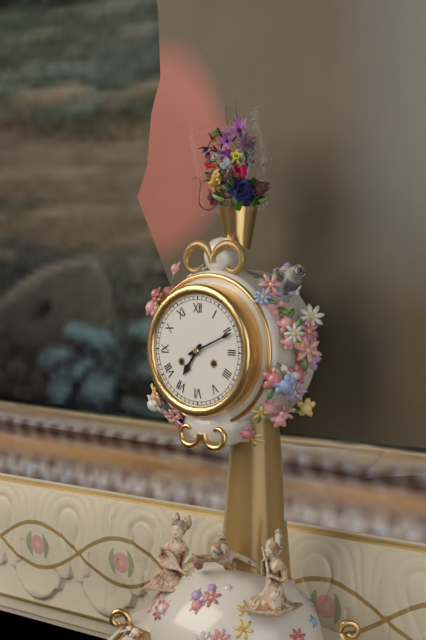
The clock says h=7 m=11
